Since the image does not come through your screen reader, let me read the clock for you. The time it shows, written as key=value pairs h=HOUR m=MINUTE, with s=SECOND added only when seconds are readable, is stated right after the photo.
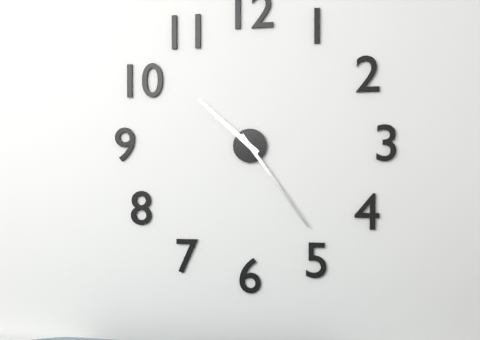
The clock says h=10 m=24
